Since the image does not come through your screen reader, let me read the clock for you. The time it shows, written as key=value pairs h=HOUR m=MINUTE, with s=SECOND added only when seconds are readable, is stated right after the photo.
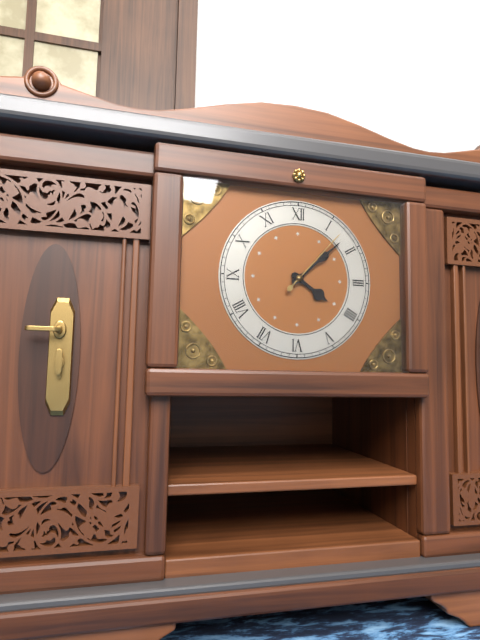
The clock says h=4 m=8 s=7
